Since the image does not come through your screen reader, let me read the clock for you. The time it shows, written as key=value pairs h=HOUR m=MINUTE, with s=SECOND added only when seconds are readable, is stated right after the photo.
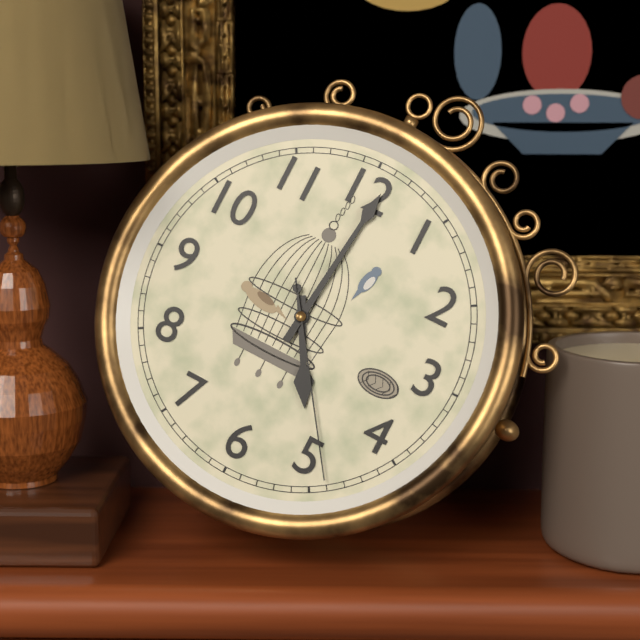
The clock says h=5 m=1 s=24
